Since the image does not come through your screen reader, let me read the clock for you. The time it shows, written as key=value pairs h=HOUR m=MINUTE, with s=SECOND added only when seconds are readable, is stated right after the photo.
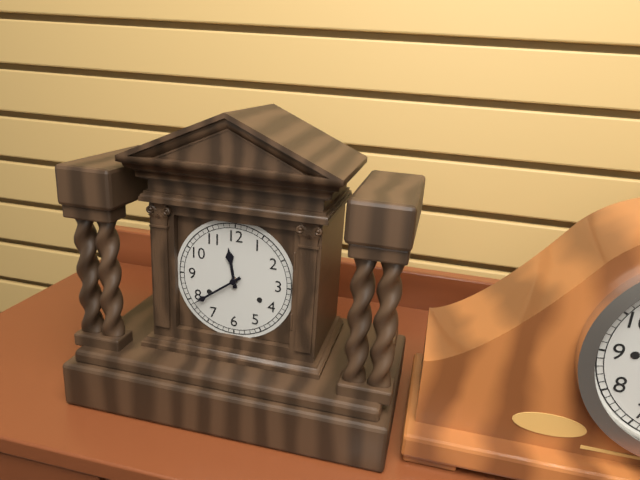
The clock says h=11 m=39
